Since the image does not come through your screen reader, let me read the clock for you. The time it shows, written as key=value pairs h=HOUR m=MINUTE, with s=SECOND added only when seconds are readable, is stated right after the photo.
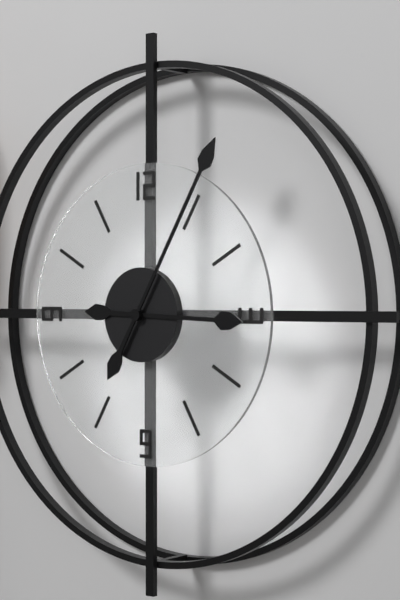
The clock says h=3 m=5
